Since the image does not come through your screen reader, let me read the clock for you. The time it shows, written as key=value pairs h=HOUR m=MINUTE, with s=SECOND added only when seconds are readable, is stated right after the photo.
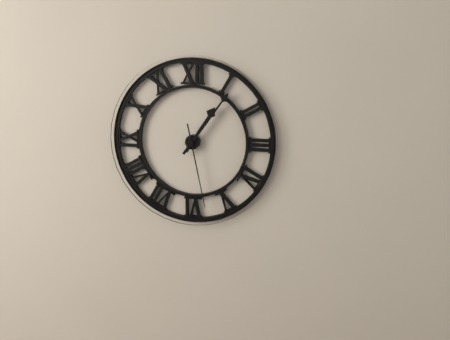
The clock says h=1 m=6 s=28
